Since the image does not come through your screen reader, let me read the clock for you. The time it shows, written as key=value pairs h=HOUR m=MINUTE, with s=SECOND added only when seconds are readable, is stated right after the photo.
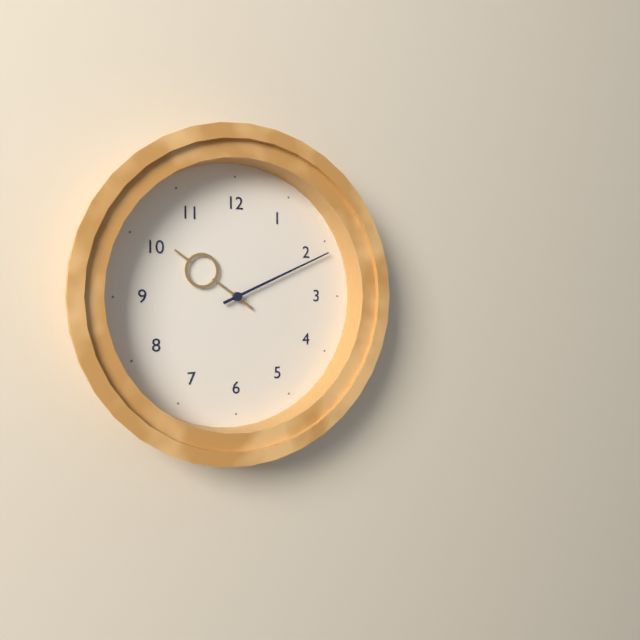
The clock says h=10 m=11
